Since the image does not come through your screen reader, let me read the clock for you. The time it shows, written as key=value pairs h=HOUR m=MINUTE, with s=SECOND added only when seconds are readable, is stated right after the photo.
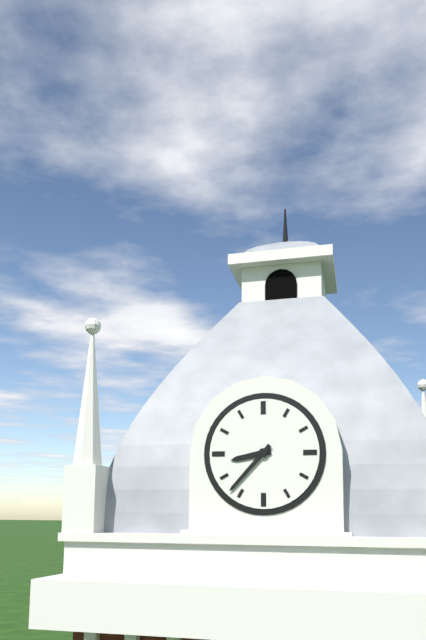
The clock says h=8 m=37
